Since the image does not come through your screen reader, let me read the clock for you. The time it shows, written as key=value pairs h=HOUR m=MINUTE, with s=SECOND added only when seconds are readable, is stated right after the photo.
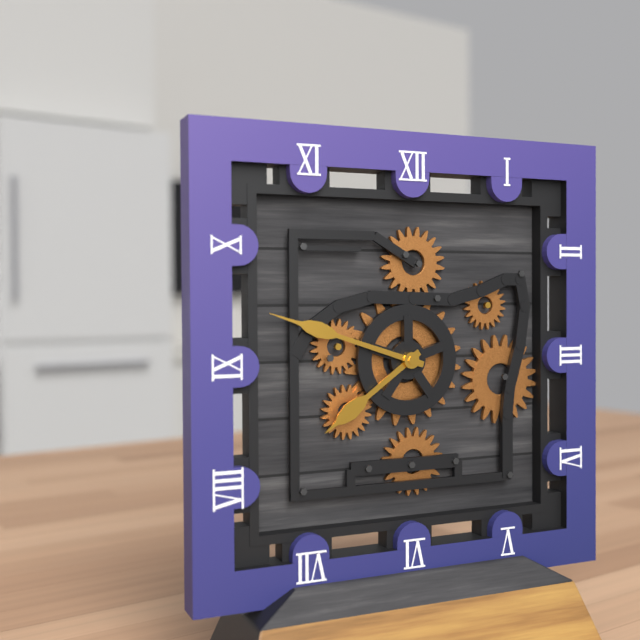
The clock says h=7 m=48
